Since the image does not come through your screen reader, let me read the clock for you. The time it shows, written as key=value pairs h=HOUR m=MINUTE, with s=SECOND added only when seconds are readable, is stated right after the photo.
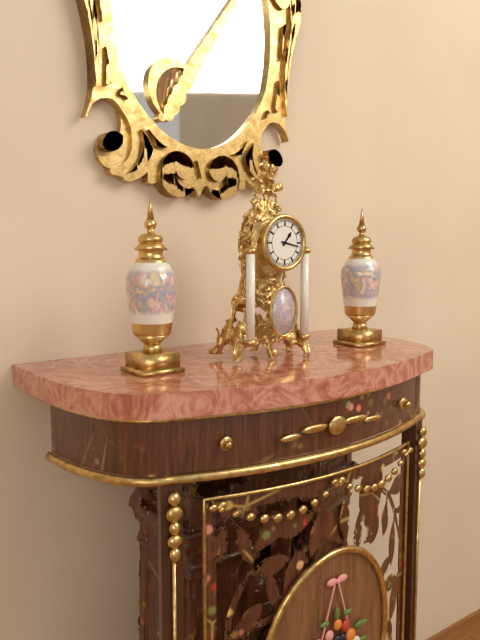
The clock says h=1 m=17
